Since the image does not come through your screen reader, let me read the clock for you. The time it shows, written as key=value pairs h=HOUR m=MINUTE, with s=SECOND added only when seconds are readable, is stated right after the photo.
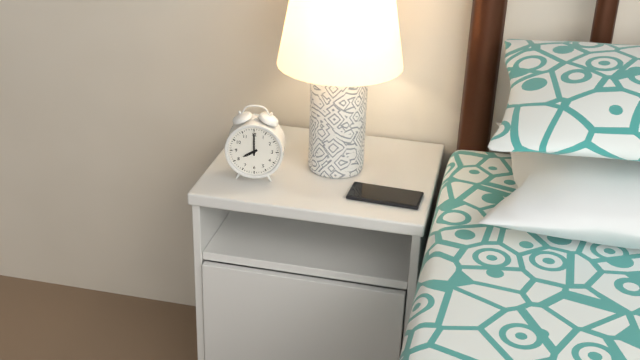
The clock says h=8 m=0
